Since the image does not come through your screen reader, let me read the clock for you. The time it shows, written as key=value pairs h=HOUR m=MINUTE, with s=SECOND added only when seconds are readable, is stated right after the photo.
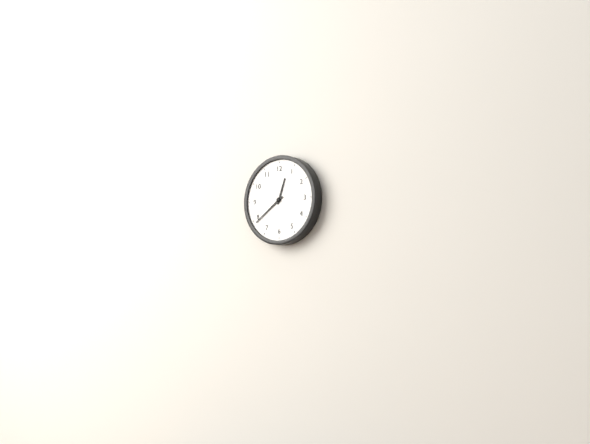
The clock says h=12 m=39
